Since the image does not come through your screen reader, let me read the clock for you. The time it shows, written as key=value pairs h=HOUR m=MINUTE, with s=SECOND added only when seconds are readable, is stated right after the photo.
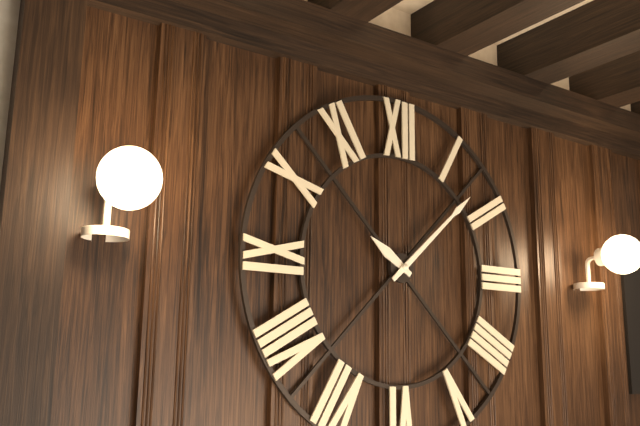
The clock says h=10 m=8
